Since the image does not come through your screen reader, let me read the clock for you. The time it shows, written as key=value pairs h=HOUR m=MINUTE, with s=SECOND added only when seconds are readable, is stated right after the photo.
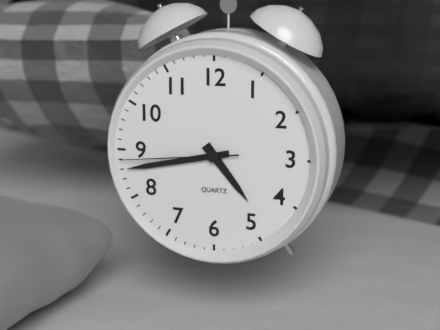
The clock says h=4 m=43 s=44
